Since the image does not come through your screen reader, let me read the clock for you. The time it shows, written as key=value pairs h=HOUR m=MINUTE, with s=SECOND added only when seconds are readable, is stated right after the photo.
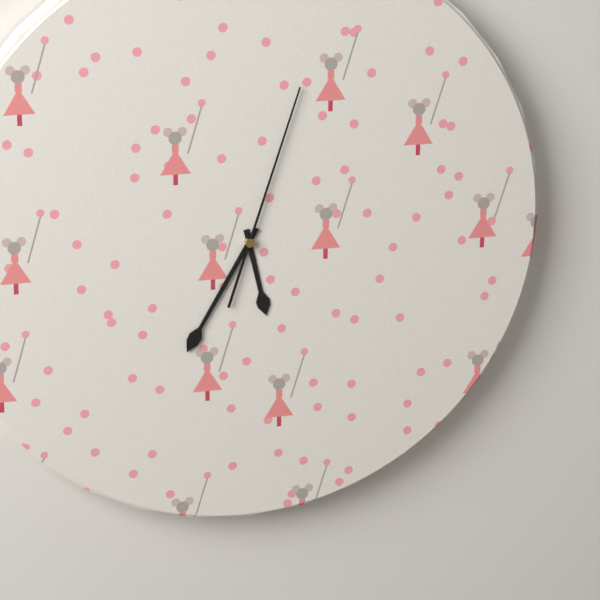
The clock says h=5 m=35 s=3
